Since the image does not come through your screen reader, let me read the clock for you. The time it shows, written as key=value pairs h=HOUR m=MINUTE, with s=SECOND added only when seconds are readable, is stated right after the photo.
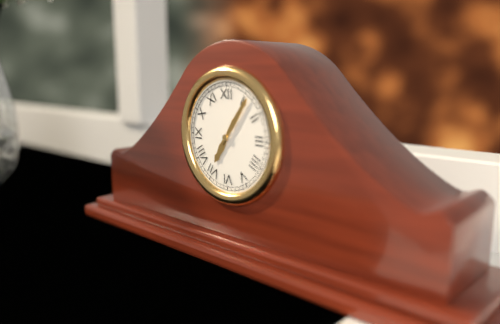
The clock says h=7 m=6
